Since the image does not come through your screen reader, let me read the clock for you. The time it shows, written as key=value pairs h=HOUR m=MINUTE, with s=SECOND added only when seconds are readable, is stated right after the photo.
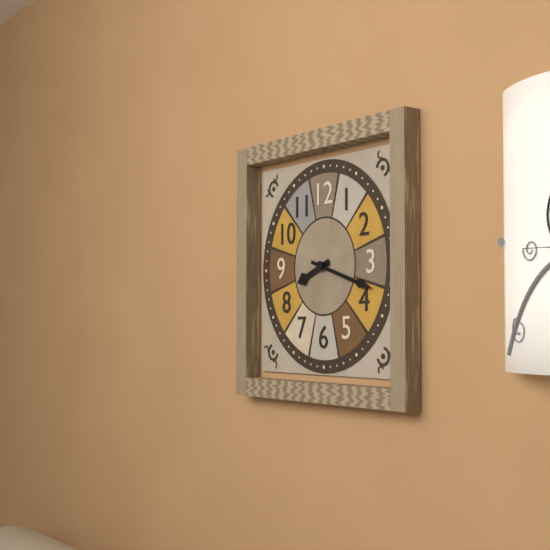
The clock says h=8 m=18
